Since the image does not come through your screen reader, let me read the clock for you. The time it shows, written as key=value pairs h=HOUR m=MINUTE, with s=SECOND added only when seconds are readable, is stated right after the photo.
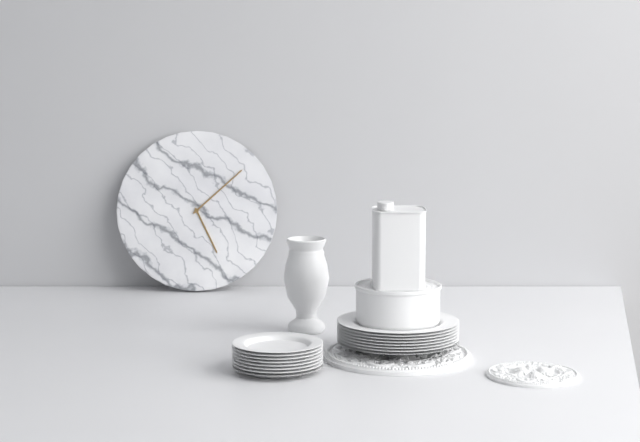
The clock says h=5 m=8
